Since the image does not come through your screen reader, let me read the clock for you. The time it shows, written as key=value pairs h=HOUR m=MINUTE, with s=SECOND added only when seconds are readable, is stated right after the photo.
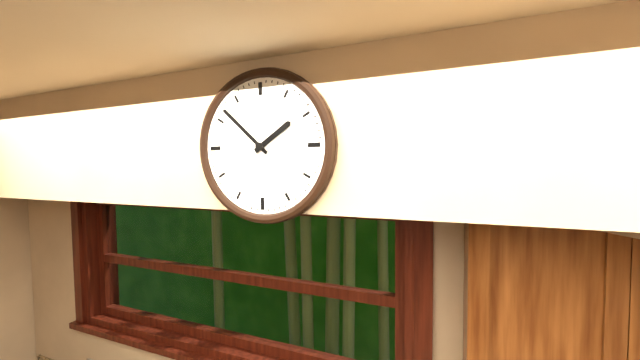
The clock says h=1 m=52
